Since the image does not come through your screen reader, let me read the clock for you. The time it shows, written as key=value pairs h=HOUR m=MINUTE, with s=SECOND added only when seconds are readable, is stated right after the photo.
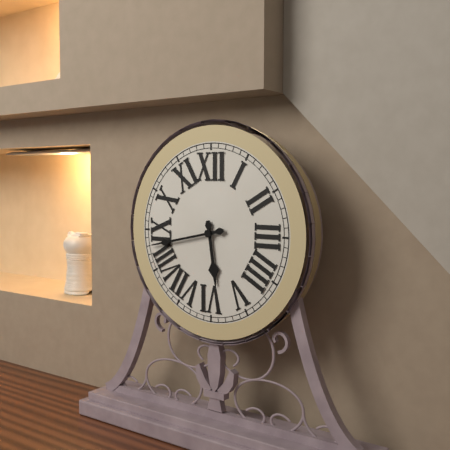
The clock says h=5 m=43
